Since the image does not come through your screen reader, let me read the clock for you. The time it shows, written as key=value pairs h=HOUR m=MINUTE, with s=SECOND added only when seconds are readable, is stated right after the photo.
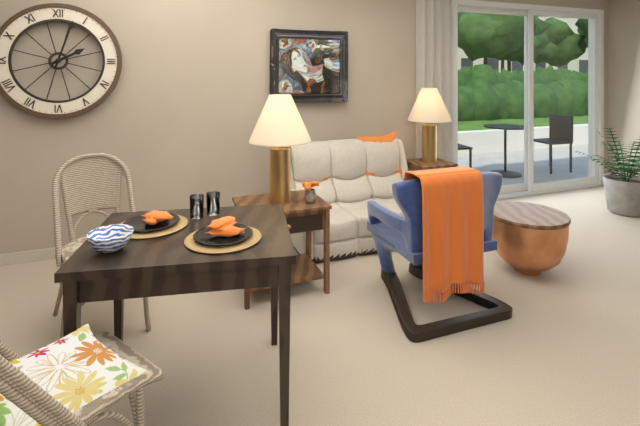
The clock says h=2 m=3
